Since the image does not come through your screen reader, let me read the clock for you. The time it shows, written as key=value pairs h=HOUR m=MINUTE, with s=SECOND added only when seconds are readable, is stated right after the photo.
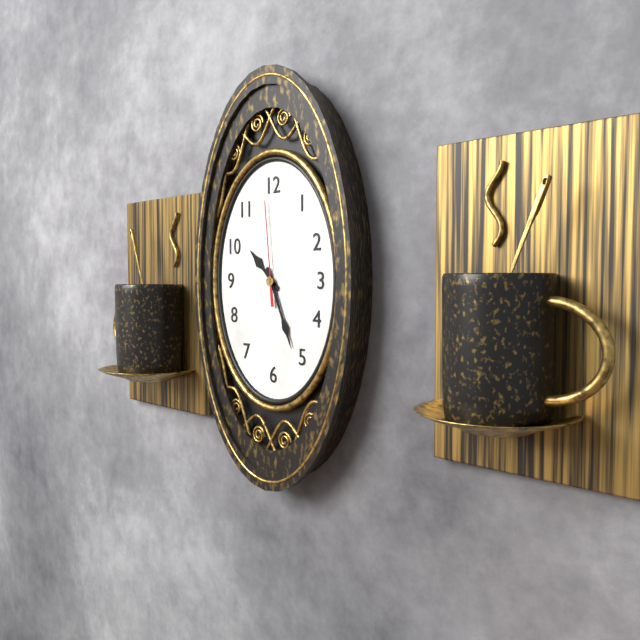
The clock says h=10 m=26 s=59
